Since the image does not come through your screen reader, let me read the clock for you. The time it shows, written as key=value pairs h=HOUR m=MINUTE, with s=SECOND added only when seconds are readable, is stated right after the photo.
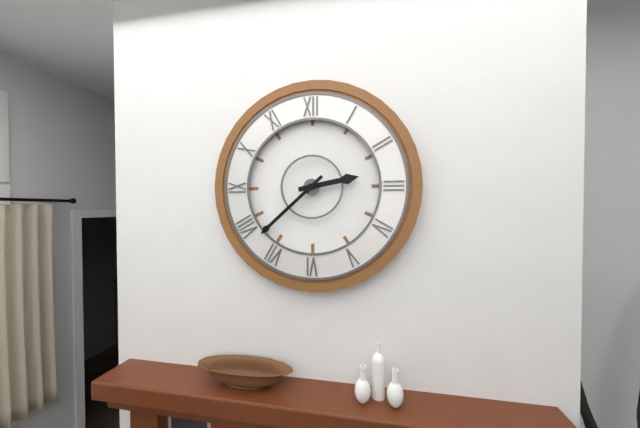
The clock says h=2 m=38
